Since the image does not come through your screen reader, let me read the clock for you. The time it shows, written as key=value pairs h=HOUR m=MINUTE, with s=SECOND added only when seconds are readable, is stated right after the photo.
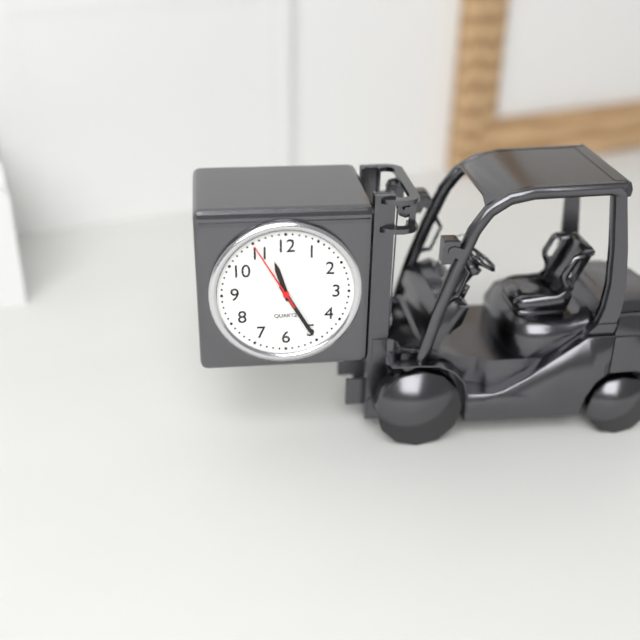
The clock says h=11 m=25 s=55
